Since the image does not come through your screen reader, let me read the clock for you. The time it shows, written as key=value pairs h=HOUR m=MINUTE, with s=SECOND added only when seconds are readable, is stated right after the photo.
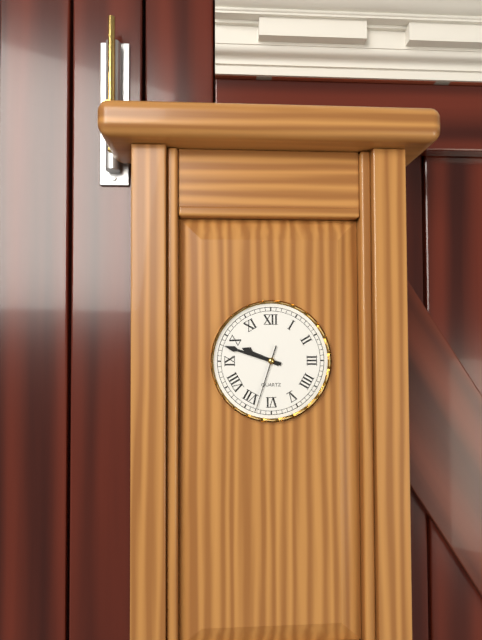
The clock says h=9 m=48 s=33
